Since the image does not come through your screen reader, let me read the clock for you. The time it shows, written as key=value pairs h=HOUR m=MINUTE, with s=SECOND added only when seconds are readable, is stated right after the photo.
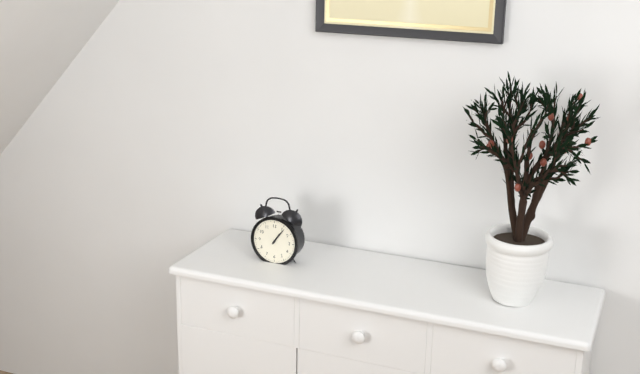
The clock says h=1 m=6
